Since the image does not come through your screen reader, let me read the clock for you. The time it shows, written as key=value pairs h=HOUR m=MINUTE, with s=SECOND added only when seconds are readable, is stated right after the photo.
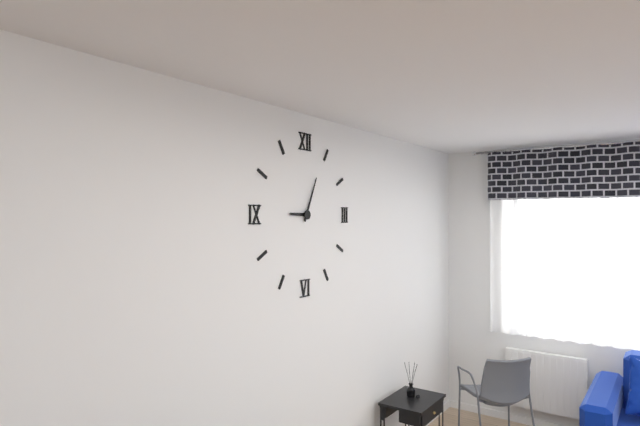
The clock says h=9 m=4
